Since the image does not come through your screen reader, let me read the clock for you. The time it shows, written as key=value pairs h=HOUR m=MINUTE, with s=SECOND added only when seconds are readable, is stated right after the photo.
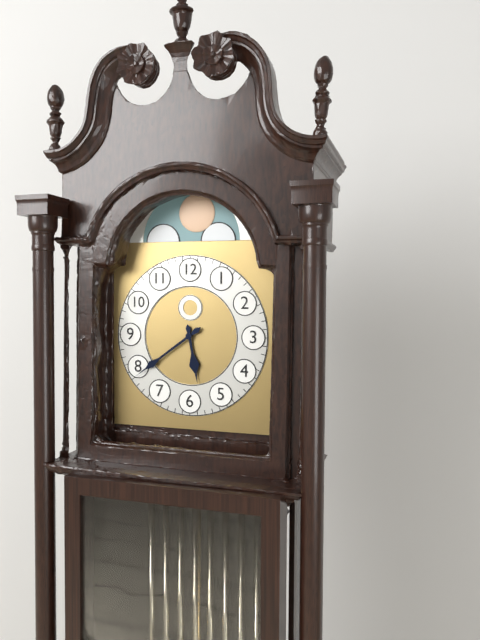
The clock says h=5 m=39
